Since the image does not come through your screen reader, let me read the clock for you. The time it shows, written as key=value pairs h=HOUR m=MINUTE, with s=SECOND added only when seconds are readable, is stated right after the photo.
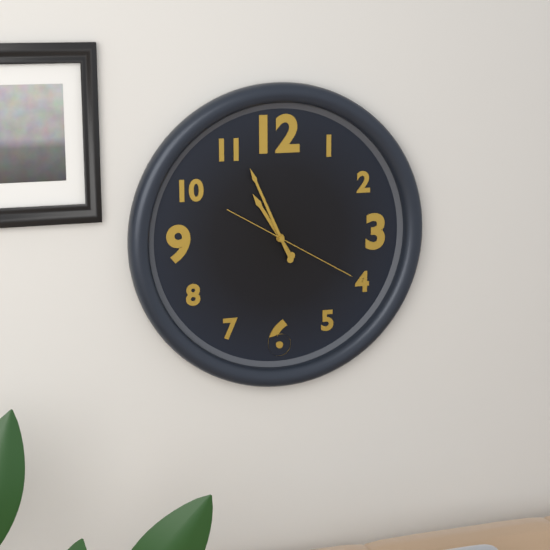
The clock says h=10 m=56 s=20
